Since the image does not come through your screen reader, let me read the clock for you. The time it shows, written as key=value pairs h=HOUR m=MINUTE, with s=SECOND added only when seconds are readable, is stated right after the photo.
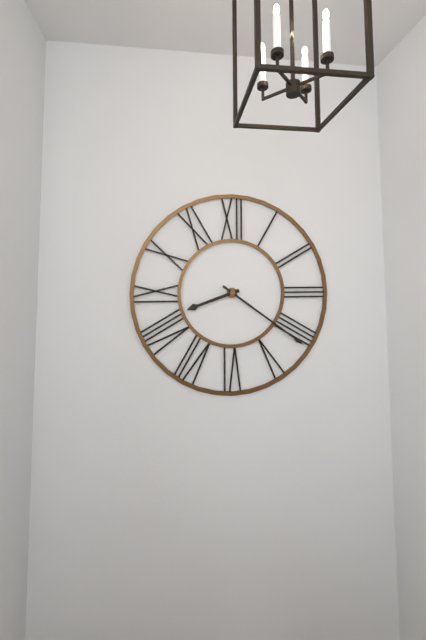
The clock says h=8 m=21
